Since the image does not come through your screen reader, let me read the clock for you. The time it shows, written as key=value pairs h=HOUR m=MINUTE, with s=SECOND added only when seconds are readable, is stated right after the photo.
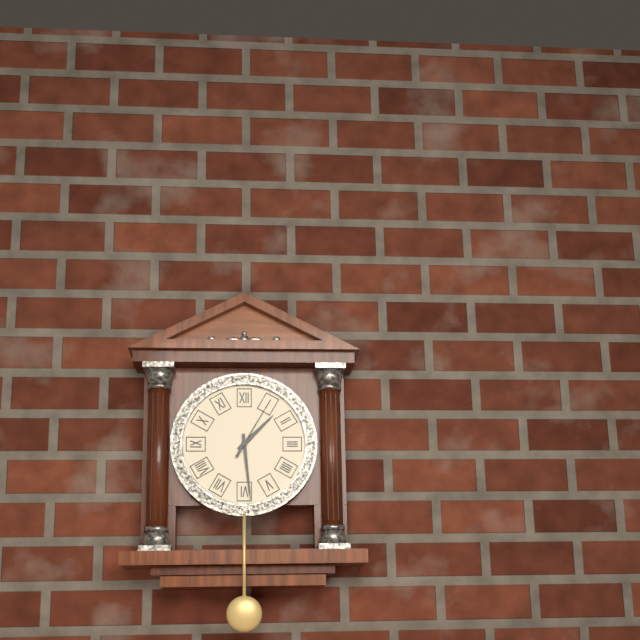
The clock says h=1 m=29 s=5
